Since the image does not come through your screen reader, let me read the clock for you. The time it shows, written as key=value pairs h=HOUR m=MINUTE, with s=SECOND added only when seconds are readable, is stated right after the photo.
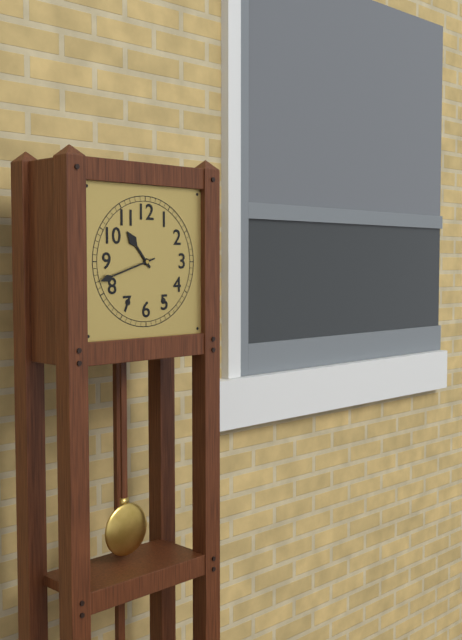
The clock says h=10 m=42
